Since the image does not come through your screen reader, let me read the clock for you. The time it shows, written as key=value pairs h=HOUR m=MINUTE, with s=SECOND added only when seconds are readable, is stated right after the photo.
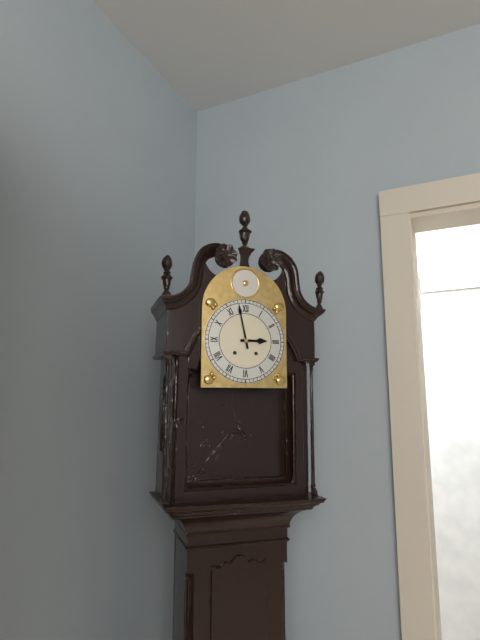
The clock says h=2 m=58
